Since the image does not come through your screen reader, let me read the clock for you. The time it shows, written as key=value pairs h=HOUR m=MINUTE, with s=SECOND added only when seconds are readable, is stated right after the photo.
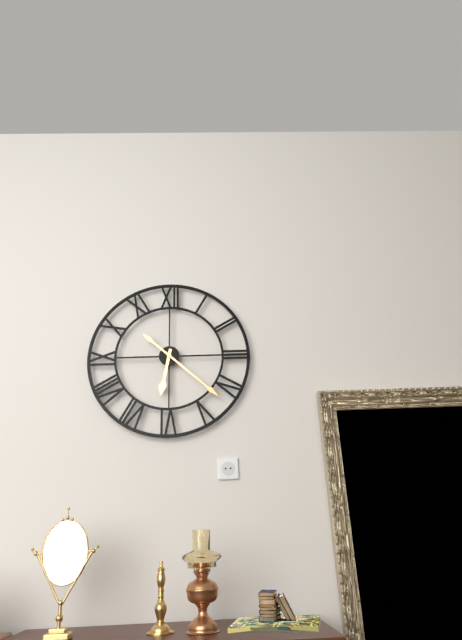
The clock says h=6 m=22
